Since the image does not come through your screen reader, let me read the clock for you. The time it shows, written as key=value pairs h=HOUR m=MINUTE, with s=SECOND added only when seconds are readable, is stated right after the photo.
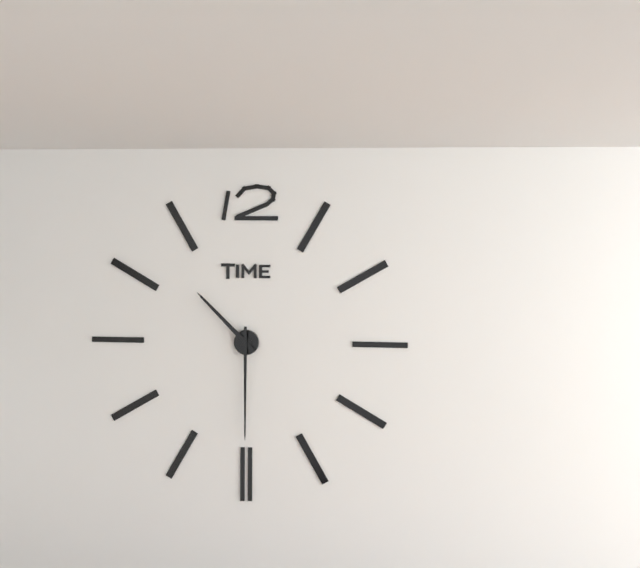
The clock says h=10 m=30
